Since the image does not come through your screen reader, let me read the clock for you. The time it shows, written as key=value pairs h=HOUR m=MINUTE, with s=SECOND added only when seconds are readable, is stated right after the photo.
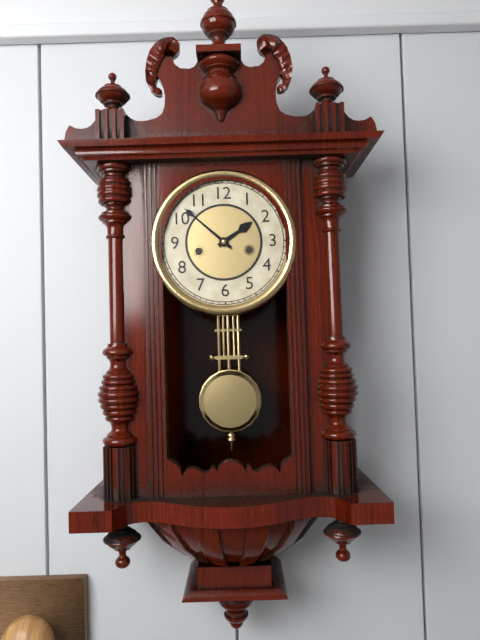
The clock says h=1 m=52
